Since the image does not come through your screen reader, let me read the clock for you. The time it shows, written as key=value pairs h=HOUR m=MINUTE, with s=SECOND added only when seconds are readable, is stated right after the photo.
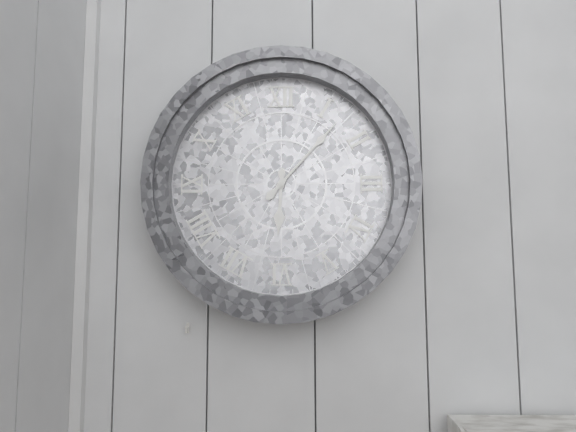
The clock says h=6 m=7
